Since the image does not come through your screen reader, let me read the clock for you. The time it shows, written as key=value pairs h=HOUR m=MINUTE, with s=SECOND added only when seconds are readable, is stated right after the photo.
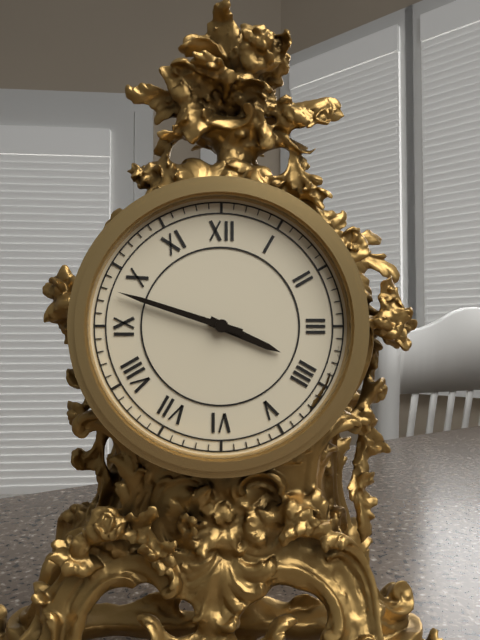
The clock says h=3 m=48
